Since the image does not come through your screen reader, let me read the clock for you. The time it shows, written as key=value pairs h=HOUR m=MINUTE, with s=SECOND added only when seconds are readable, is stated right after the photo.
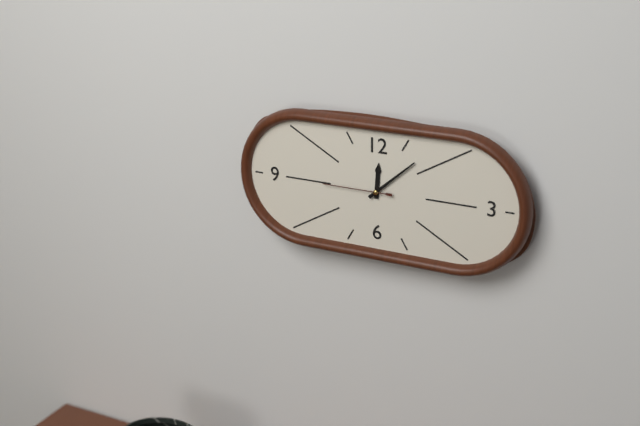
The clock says h=12 m=8 s=45
